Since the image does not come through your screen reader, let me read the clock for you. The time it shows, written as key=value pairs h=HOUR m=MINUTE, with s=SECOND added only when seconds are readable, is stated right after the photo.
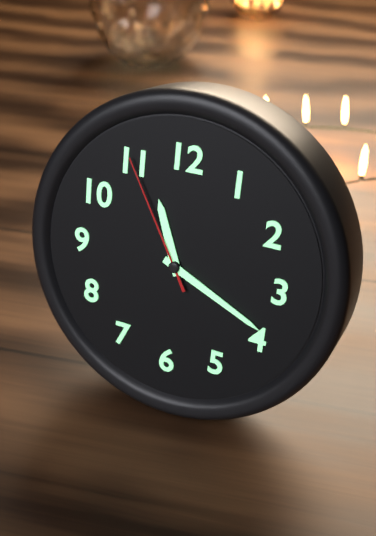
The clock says h=11 m=19 s=55
